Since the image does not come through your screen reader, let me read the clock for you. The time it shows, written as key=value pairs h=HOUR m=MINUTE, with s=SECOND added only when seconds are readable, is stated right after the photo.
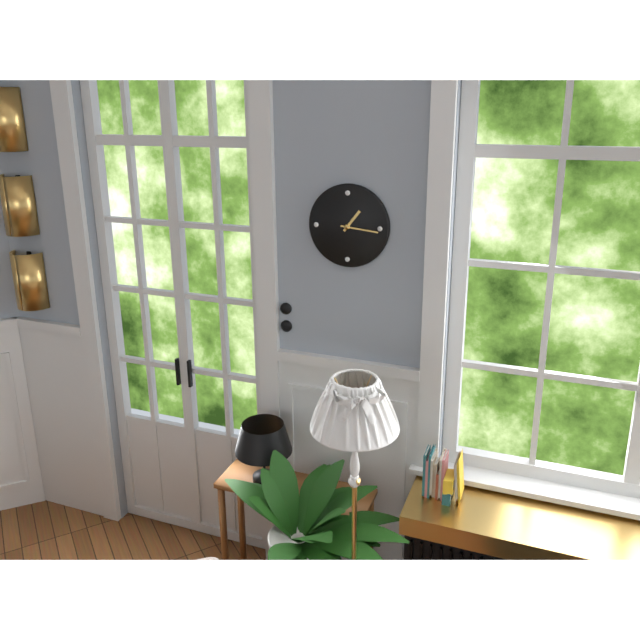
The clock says h=1 m=16
